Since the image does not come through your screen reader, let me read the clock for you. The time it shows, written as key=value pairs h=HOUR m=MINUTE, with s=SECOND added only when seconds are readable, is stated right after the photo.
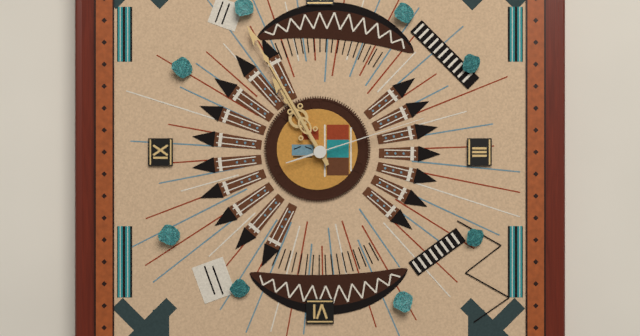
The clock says h=10 m=55 s=12
